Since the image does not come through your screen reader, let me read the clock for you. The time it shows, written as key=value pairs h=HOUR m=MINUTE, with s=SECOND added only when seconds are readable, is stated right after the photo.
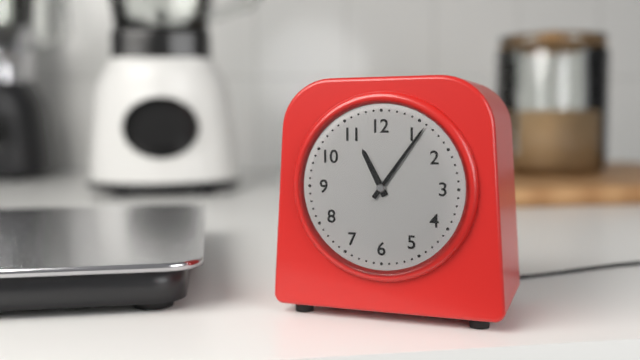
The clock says h=11 m=6
